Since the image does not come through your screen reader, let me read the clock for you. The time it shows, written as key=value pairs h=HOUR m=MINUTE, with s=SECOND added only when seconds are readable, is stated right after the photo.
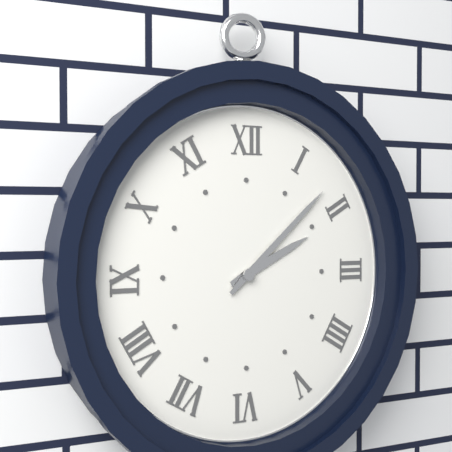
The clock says h=2 m=8
